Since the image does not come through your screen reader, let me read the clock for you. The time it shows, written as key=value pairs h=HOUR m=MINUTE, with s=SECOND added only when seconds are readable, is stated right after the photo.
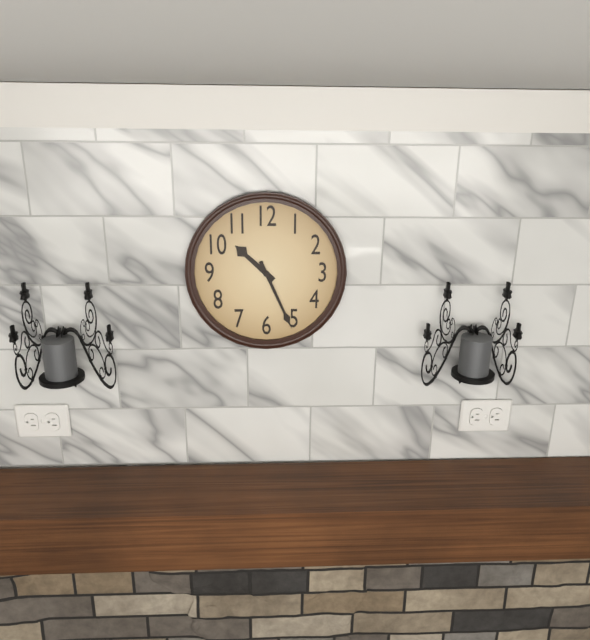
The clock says h=10 m=26
